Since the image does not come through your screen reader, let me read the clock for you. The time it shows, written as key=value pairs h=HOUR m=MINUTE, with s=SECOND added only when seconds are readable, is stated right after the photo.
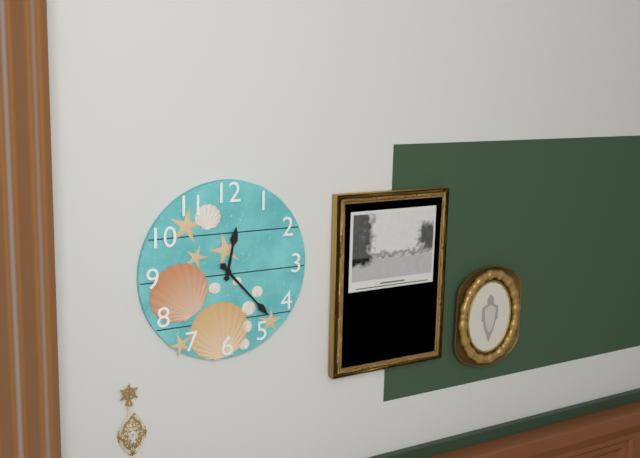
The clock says h=12 m=23
